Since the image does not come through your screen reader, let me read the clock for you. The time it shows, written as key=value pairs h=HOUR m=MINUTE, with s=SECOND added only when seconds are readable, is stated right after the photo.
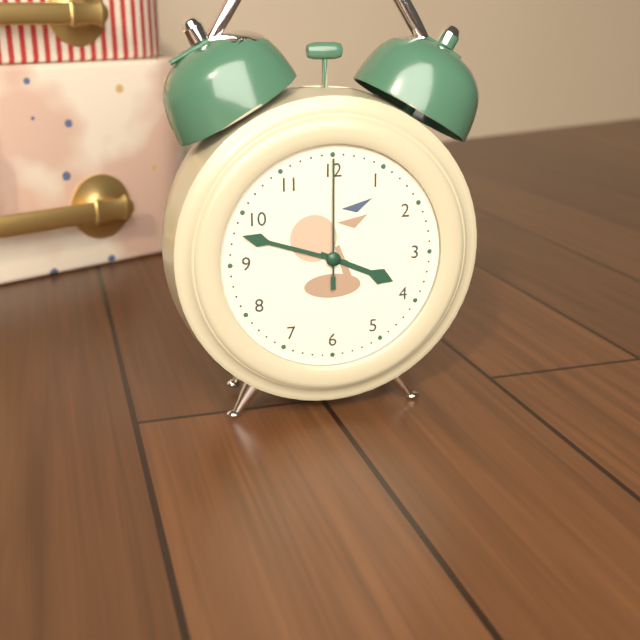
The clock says h=3 m=48 s=0
